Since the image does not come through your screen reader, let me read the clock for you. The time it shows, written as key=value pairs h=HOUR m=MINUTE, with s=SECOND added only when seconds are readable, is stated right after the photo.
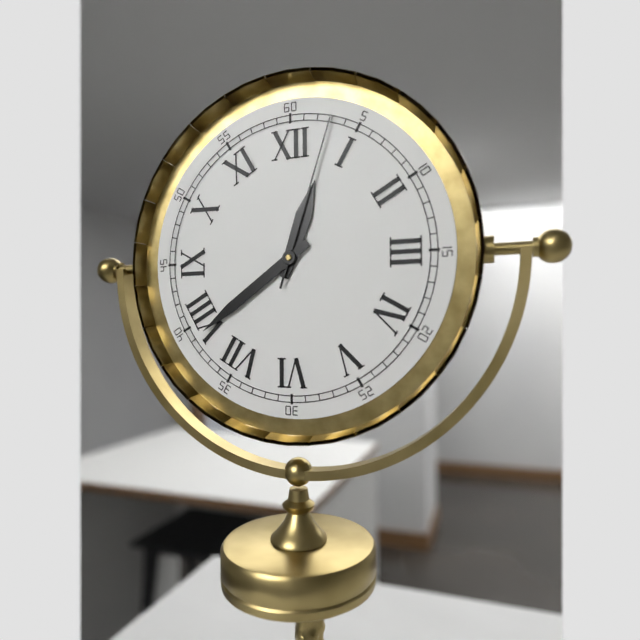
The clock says h=12 m=39 s=3
